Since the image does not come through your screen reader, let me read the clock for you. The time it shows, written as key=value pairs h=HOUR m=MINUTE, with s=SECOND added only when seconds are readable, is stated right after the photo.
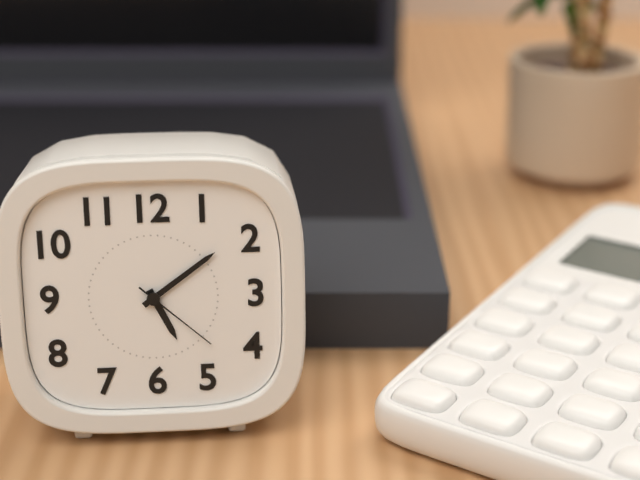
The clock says h=5 m=9 s=22
